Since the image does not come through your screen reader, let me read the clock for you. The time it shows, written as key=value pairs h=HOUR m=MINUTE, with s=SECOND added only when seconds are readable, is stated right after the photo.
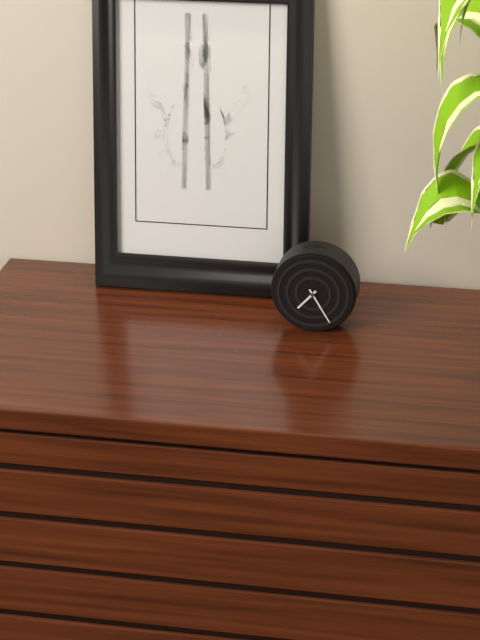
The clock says h=7 m=25
